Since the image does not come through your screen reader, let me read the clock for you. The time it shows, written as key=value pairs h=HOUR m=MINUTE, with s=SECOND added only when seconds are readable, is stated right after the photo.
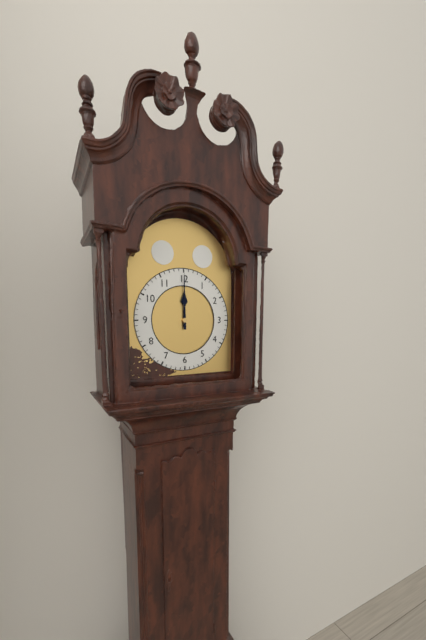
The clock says h=12 m=0
